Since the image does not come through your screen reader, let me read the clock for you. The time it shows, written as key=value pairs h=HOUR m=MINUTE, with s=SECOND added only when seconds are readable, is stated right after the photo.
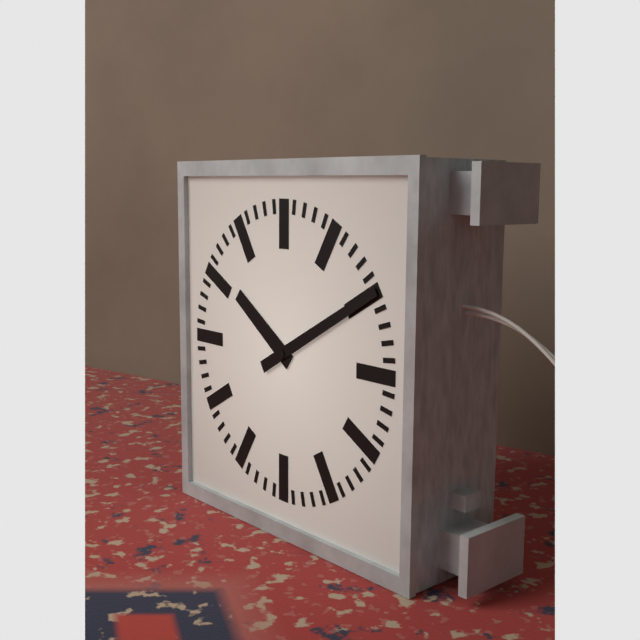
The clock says h=10 m=10
